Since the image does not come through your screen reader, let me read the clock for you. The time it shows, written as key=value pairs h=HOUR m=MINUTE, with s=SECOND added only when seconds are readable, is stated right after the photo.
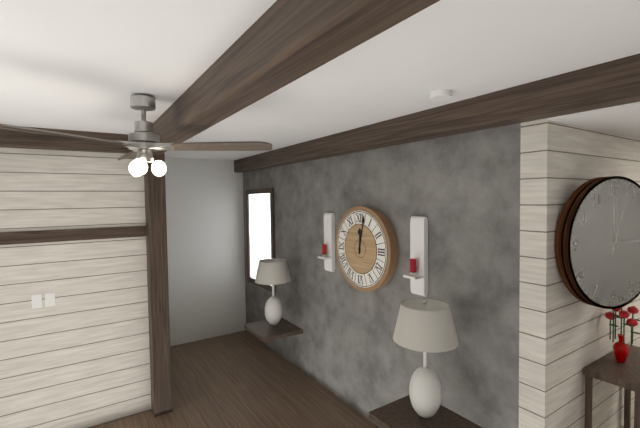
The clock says h=12 m=2
